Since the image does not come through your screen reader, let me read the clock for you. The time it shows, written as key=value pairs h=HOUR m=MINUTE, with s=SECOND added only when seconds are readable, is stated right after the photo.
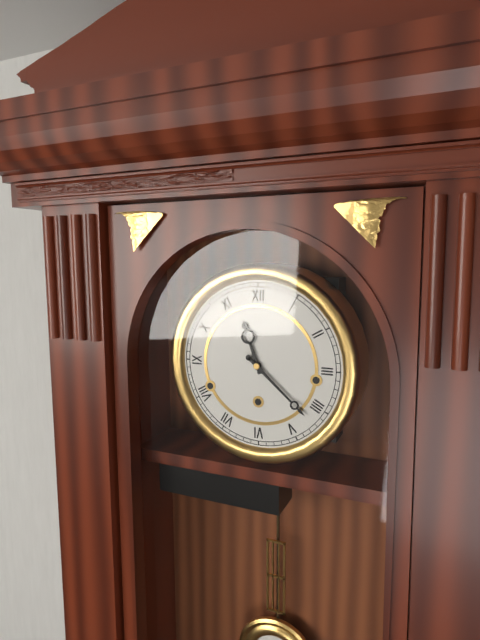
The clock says h=11 m=22
